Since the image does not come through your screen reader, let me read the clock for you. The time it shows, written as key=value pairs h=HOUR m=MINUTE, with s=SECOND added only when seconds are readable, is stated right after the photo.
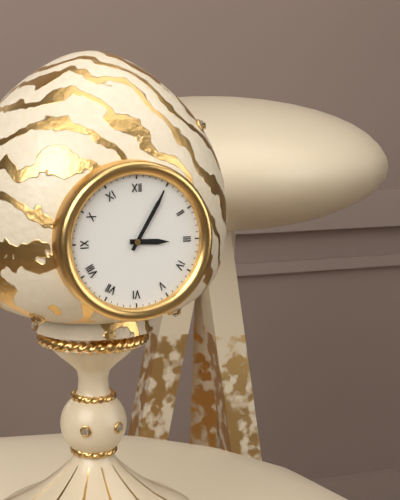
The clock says h=3 m=5
